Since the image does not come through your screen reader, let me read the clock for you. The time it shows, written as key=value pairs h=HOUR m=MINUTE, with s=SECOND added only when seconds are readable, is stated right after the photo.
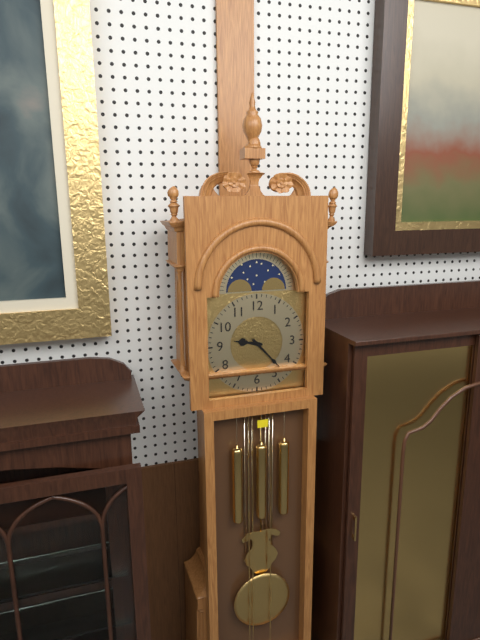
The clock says h=9 m=23
